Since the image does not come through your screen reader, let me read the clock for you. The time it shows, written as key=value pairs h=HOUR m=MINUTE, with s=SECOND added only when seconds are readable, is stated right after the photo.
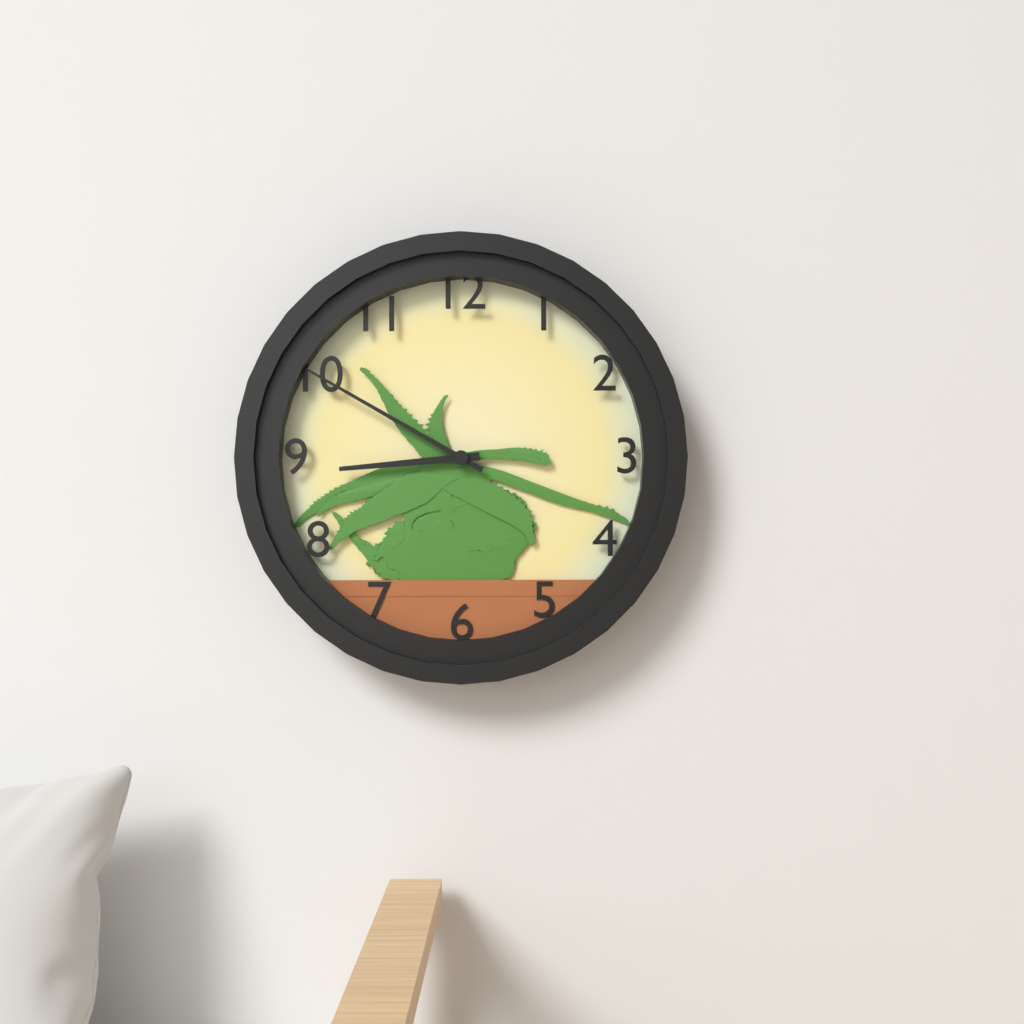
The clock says h=8 m=50
